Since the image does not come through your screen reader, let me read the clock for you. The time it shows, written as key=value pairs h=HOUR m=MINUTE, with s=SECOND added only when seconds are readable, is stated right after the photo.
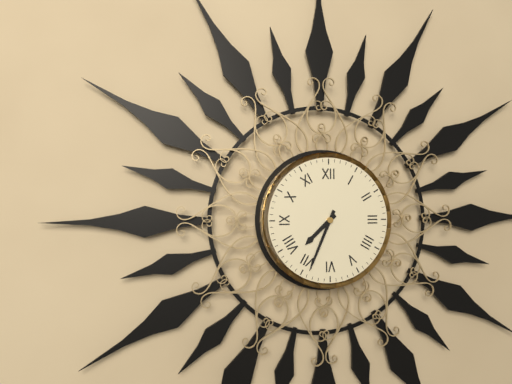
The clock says h=7 m=34
